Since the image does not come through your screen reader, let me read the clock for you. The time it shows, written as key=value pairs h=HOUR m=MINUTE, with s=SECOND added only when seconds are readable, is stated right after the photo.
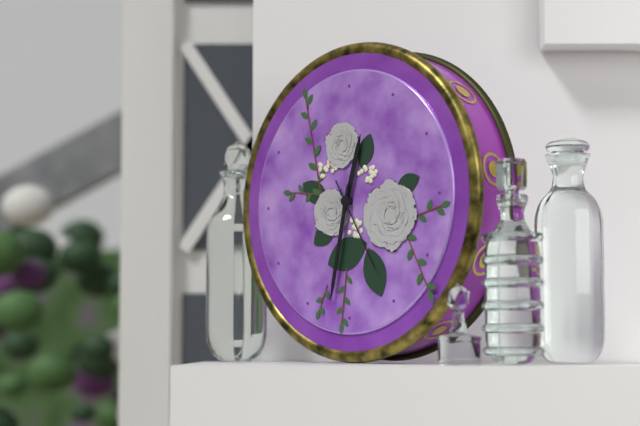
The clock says h=12 m=32 s=25
